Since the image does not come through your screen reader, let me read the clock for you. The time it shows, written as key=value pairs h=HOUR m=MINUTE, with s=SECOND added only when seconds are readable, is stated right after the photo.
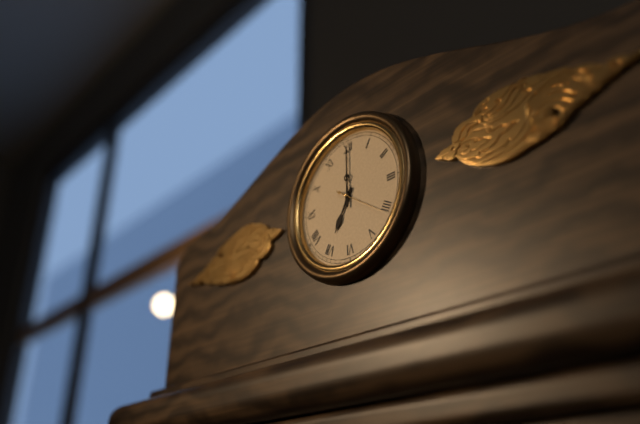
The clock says h=7 m=0 s=21
